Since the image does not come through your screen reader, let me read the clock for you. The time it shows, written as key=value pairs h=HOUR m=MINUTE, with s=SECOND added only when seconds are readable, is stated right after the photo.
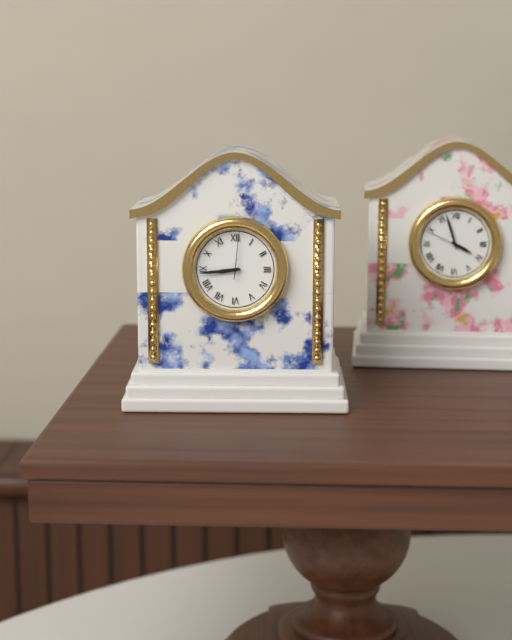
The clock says h=8 m=44
